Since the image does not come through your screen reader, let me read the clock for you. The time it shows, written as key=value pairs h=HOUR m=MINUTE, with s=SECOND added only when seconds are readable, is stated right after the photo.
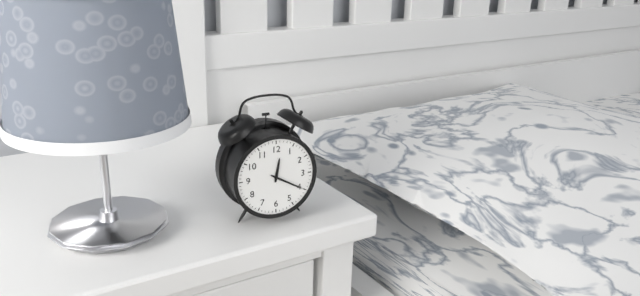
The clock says h=12 m=20
